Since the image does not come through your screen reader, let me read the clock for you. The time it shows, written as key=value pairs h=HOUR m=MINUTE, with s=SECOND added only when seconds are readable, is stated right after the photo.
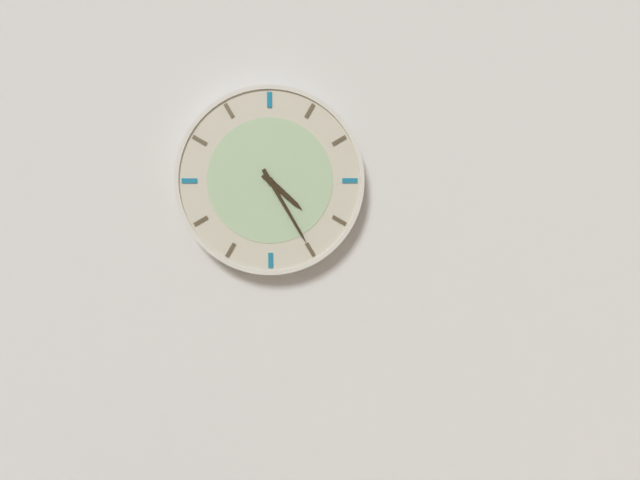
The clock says h=4 m=25
